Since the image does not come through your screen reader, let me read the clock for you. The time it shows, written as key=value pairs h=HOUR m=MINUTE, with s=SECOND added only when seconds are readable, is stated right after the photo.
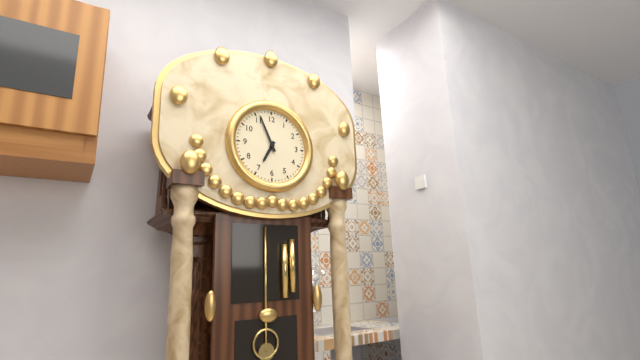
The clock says h=6 m=56
